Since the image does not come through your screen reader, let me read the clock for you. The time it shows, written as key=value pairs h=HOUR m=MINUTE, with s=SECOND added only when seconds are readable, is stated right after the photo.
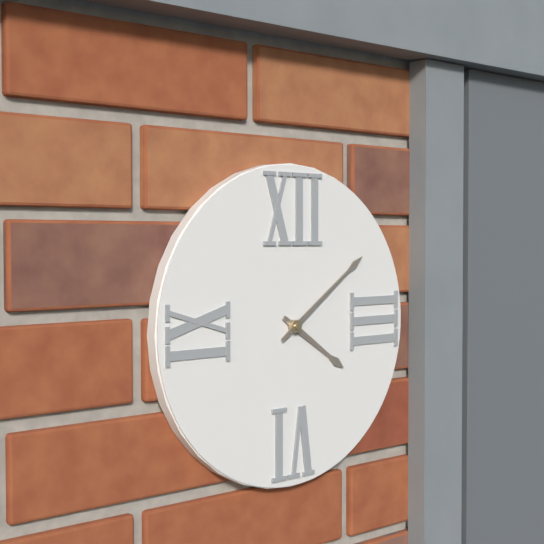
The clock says h=4 m=9
